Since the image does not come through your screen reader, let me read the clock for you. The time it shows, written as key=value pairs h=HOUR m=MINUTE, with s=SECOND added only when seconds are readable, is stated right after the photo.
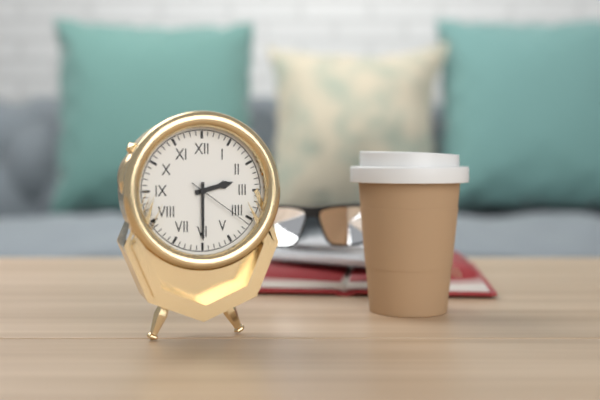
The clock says h=2 m=30 s=21
